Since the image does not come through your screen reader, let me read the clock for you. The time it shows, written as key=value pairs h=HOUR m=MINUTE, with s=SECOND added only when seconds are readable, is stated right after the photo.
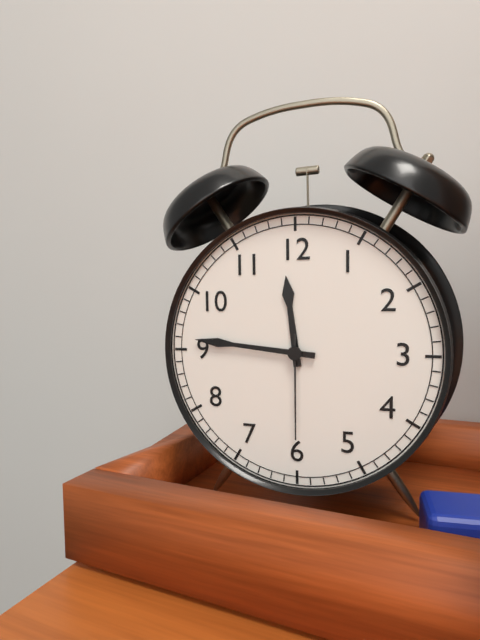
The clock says h=11 m=46 s=30
